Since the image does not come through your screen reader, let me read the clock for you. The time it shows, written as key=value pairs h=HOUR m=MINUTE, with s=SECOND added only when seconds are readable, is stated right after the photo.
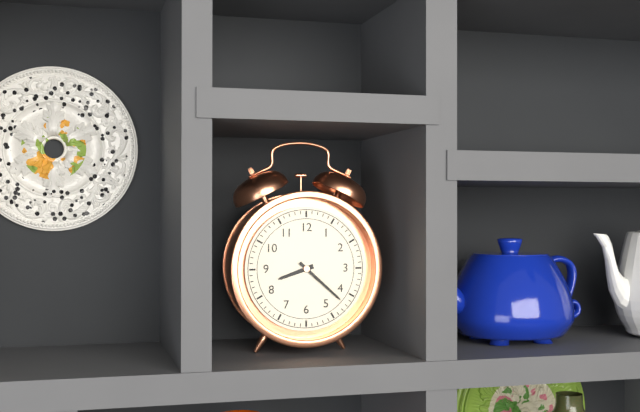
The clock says h=8 m=22
